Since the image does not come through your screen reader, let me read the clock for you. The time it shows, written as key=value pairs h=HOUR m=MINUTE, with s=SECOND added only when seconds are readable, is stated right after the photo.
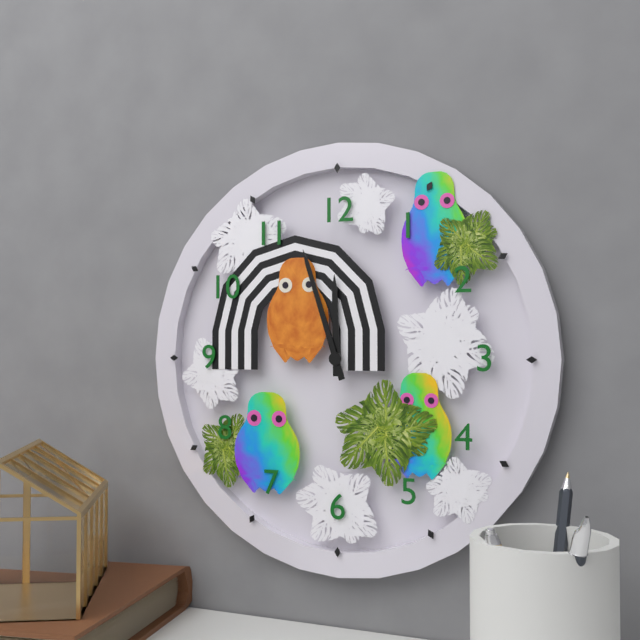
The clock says h=11 m=57
